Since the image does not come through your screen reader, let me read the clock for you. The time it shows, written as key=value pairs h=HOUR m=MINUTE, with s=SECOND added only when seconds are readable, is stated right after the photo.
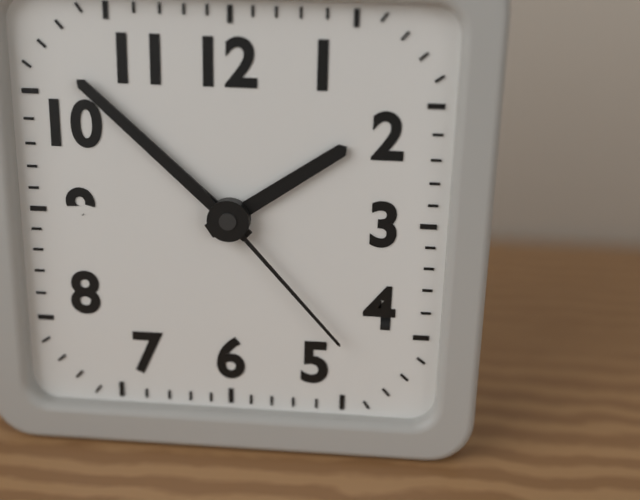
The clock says h=1 m=52 s=23
